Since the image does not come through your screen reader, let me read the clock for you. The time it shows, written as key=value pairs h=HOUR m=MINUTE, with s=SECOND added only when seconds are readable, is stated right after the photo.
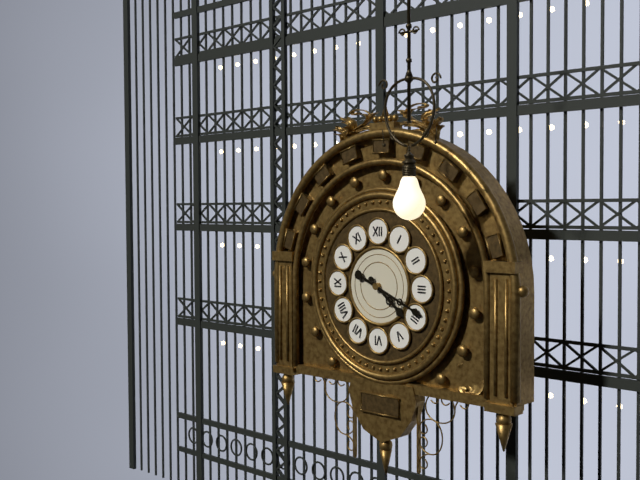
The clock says h=4 m=19
